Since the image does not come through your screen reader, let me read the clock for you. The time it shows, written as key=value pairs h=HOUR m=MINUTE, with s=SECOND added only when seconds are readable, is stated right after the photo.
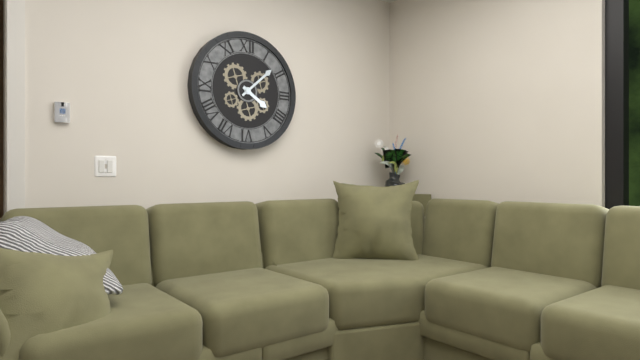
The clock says h=4 m=8
